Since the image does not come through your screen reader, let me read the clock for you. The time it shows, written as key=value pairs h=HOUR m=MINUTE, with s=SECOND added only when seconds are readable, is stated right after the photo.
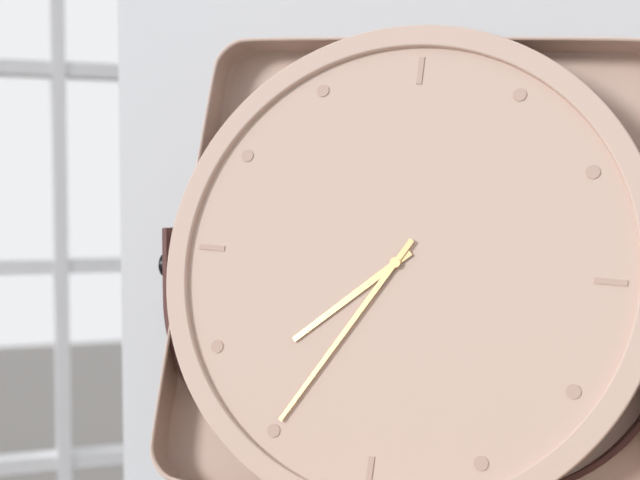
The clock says h=7 m=35
